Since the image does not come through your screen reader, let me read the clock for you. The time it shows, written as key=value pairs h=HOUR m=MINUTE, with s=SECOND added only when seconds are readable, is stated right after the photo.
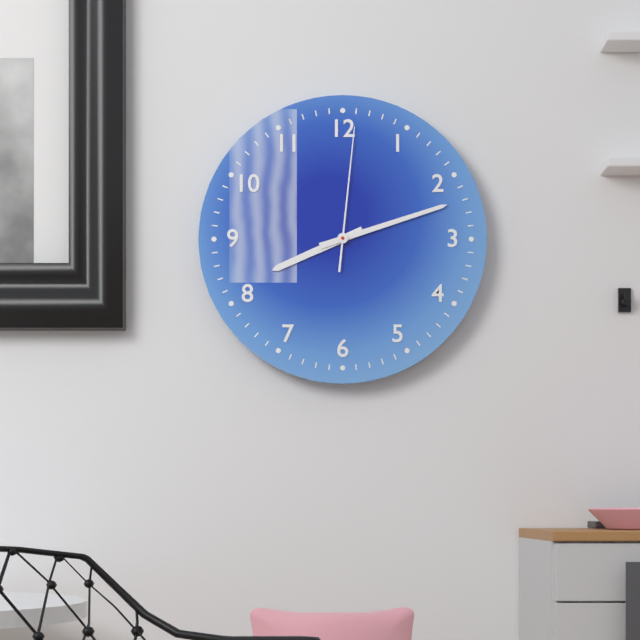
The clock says h=8 m=12 s=1
